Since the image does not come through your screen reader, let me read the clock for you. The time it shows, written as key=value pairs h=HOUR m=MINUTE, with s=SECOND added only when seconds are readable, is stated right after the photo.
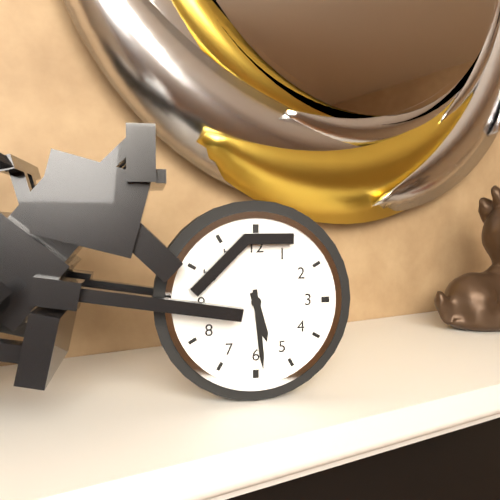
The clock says h=5 m=29
